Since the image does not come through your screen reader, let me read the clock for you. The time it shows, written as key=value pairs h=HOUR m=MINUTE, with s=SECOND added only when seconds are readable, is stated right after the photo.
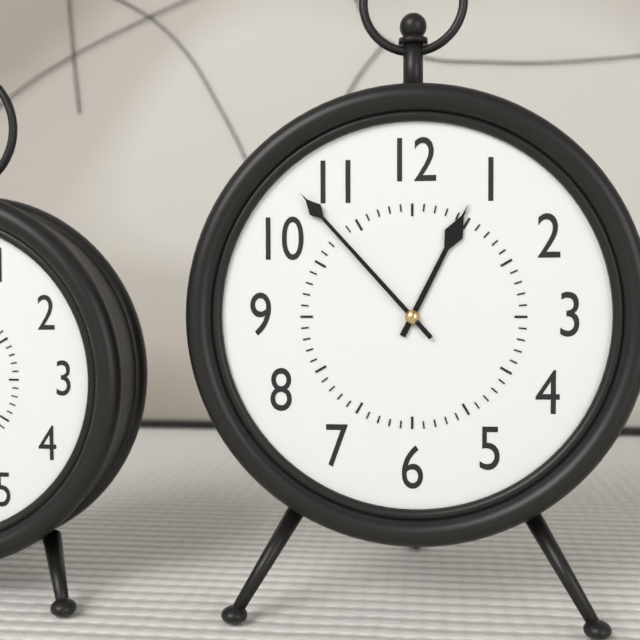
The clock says h=12 m=53
